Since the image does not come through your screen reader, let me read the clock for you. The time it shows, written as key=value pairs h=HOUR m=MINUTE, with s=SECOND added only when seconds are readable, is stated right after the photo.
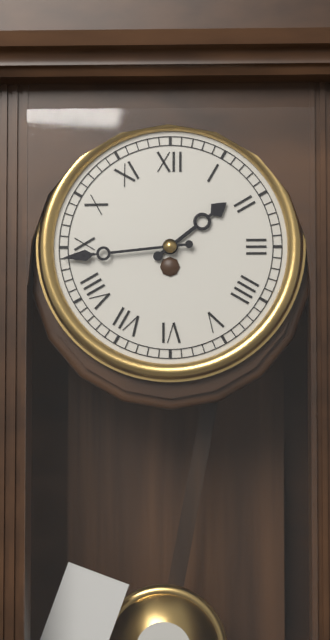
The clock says h=1 m=44
